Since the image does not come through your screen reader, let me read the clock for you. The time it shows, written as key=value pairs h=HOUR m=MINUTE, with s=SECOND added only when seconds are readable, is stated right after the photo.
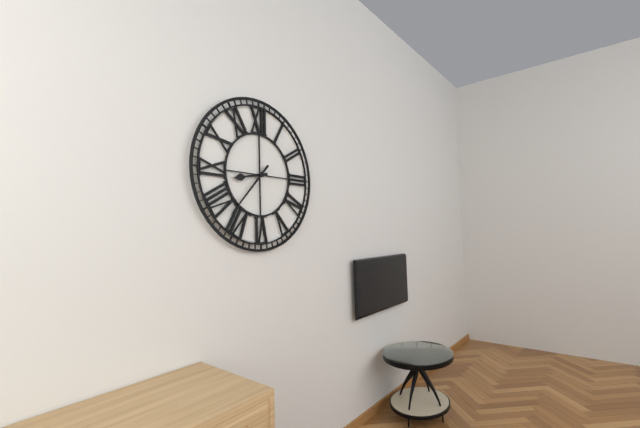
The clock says h=8 m=37
